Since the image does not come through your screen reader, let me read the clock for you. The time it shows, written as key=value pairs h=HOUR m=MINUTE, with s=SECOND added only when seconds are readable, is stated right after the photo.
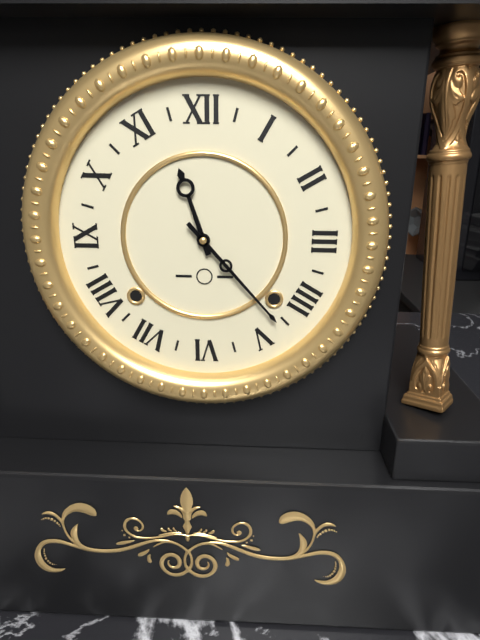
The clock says h=11 m=23
